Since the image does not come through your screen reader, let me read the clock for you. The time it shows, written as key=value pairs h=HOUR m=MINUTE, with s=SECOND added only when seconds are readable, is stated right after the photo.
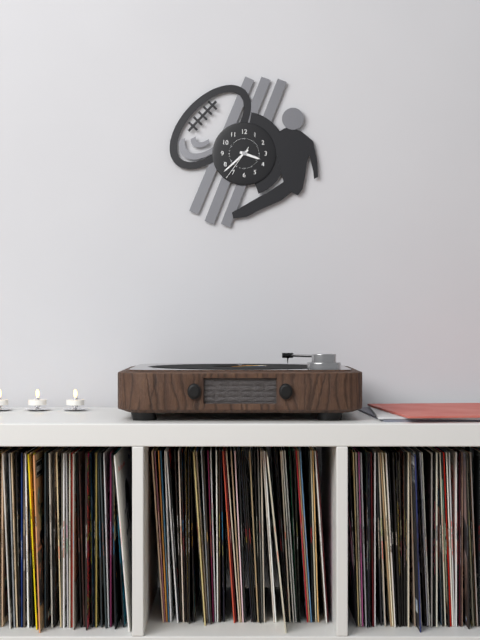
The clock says h=3 m=38
